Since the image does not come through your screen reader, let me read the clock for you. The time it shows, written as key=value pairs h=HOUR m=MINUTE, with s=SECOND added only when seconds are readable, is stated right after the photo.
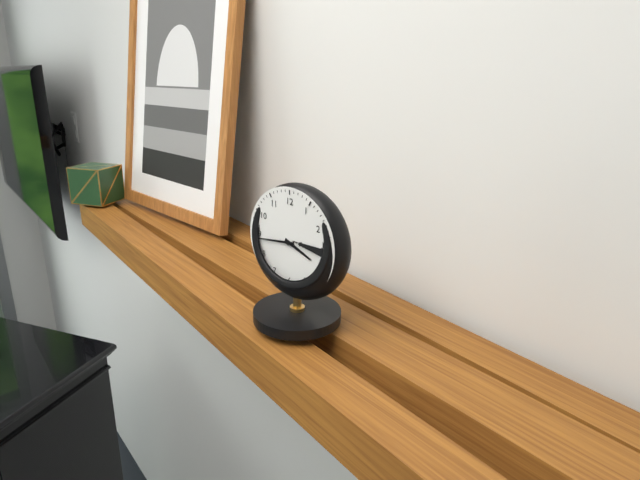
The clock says h=3 m=44
